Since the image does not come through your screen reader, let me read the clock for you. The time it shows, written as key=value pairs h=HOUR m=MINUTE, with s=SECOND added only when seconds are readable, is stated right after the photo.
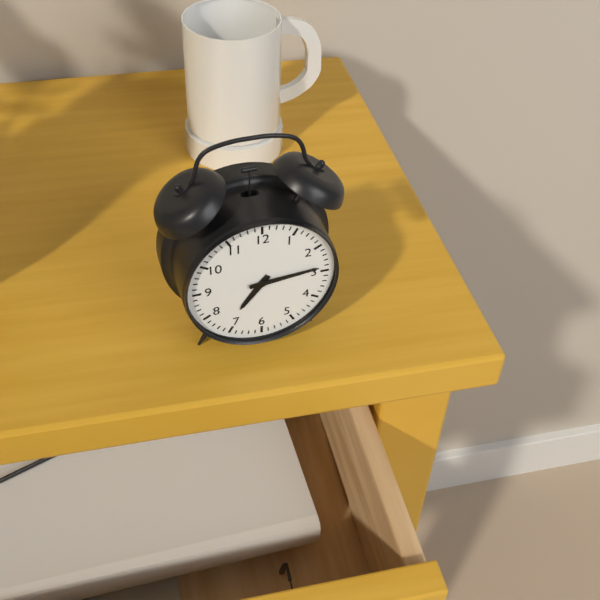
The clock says h=7 m=14
